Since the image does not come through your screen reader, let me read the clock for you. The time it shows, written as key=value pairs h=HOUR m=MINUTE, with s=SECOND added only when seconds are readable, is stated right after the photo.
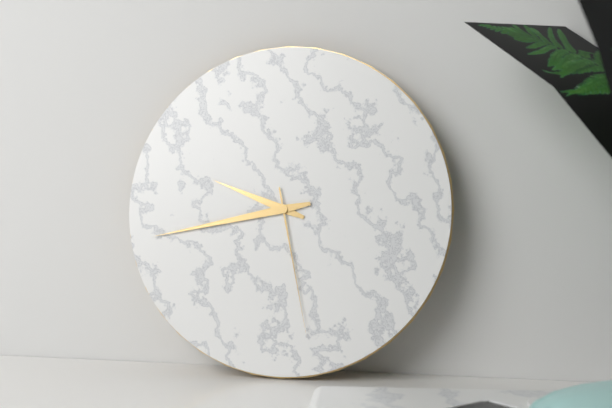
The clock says h=9 m=43 s=28
